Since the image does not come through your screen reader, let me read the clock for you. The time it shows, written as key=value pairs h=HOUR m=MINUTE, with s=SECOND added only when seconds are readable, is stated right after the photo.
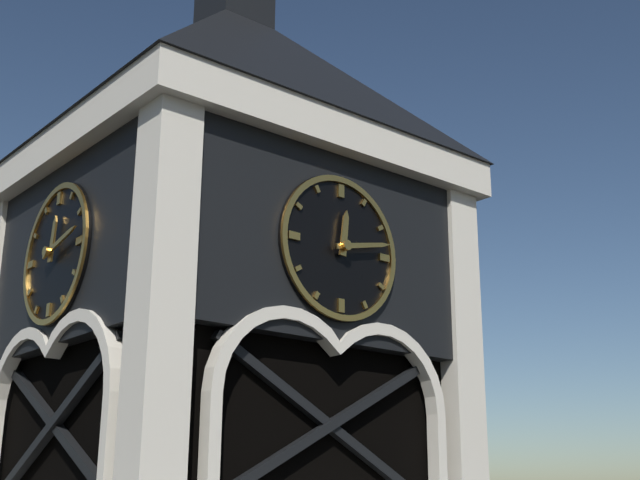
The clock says h=12 m=13
